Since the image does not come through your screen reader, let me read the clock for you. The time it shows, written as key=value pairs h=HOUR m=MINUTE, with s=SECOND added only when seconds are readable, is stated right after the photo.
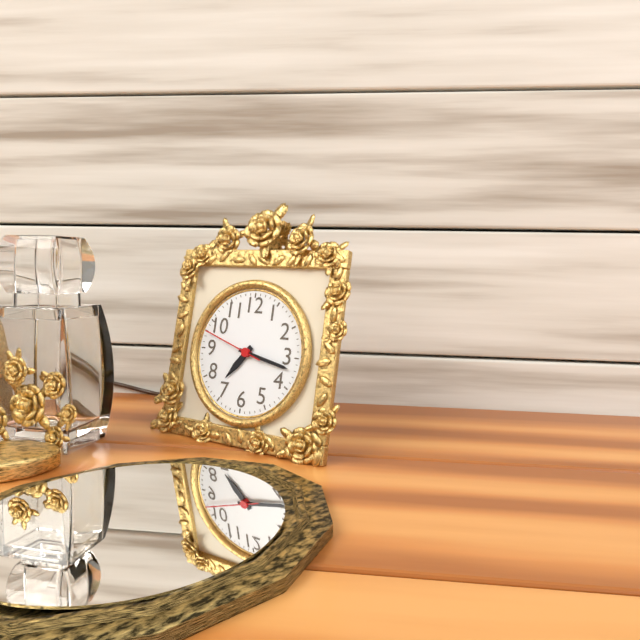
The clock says h=7 m=17 s=48
